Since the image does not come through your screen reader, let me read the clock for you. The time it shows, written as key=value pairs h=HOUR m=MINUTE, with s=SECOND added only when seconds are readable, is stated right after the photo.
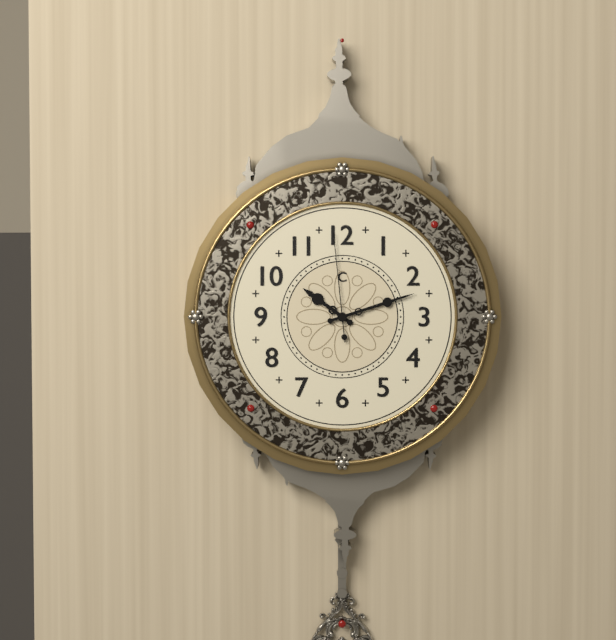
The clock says h=10 m=12 s=59
